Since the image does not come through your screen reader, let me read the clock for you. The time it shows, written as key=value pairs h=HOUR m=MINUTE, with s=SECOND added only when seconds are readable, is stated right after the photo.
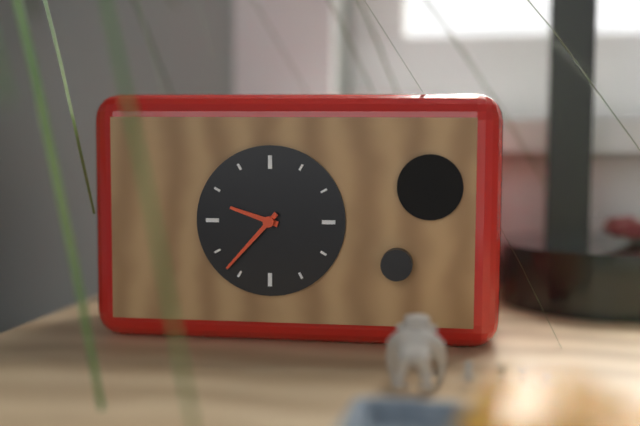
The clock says h=9 m=37
